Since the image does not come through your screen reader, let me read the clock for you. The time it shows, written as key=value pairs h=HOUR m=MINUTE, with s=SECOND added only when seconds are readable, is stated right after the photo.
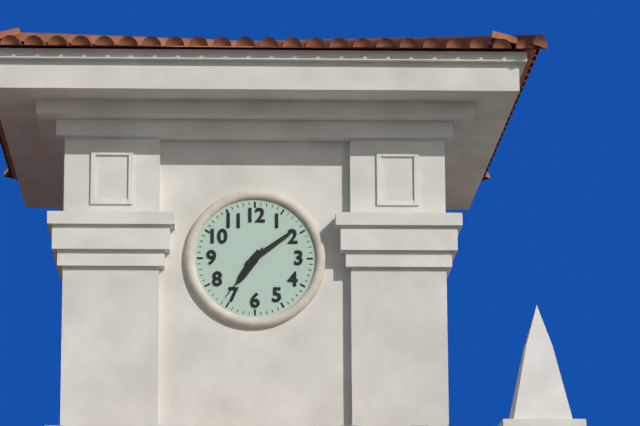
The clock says h=7 m=9 s=36
